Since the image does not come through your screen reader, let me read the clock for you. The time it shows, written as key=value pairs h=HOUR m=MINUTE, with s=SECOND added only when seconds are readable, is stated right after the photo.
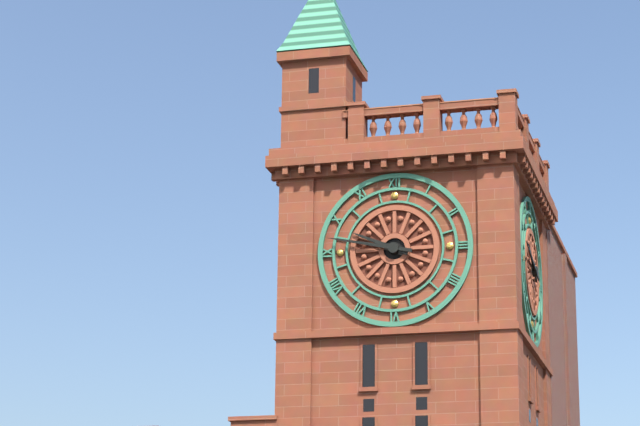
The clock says h=9 m=47
